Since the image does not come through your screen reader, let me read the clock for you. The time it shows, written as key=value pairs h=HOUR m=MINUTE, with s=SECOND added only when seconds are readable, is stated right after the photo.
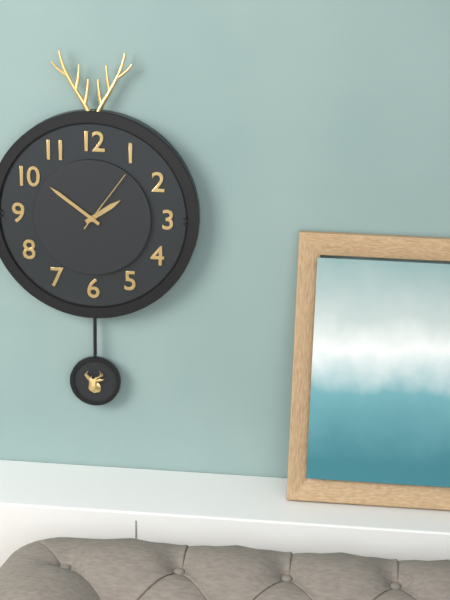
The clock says h=1 m=51 s=6
